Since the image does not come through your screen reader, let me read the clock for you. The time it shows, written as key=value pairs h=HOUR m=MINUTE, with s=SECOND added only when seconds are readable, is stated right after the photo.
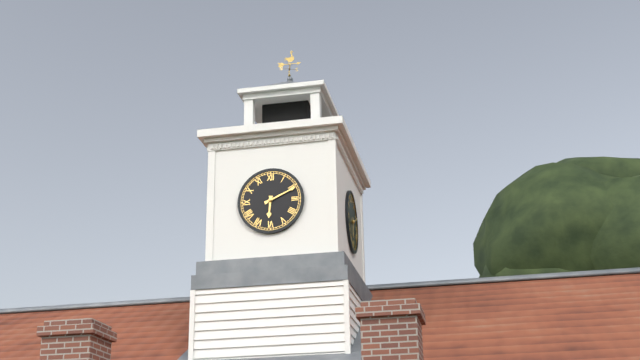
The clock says h=6 m=11
